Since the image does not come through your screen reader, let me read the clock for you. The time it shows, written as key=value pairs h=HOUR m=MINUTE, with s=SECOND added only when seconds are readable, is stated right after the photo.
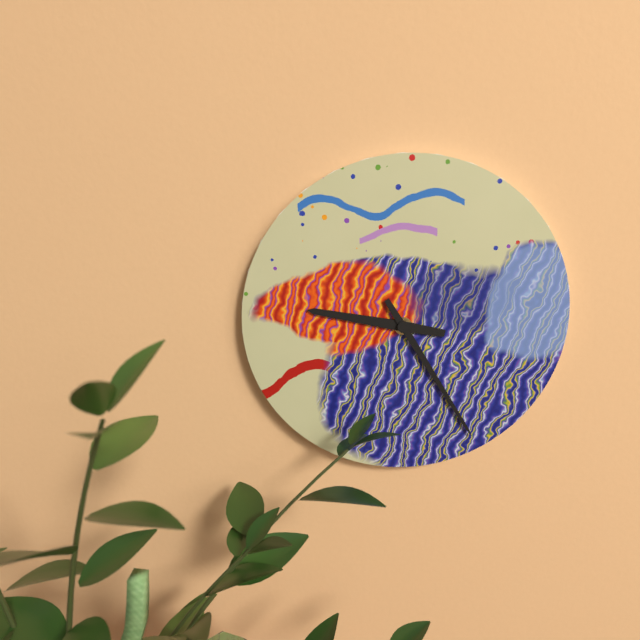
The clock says h=9 m=25
